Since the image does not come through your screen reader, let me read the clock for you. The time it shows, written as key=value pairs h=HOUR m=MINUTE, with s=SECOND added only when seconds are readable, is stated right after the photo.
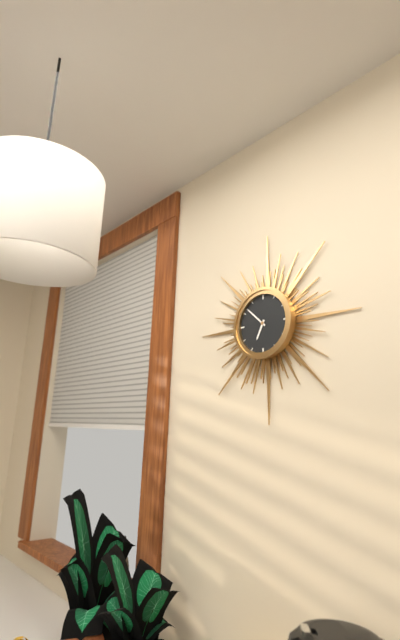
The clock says h=6 m=52
